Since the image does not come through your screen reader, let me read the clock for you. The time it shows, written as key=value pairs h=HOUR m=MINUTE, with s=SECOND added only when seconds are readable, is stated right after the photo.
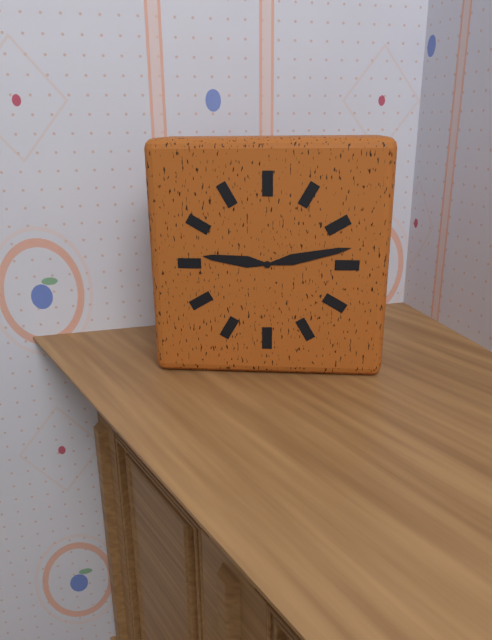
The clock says h=9 m=13
